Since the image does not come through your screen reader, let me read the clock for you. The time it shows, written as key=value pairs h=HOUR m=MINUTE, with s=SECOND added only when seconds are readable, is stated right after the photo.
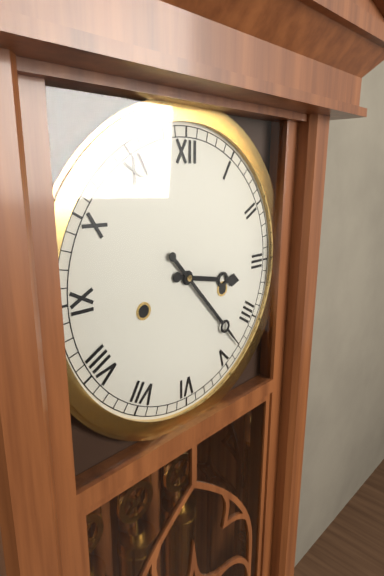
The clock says h=3 m=23
